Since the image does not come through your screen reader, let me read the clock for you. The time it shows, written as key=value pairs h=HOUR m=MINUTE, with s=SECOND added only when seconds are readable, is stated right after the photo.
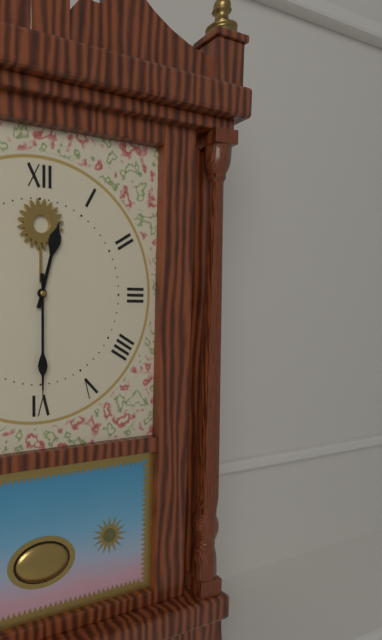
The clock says h=12 m=30
